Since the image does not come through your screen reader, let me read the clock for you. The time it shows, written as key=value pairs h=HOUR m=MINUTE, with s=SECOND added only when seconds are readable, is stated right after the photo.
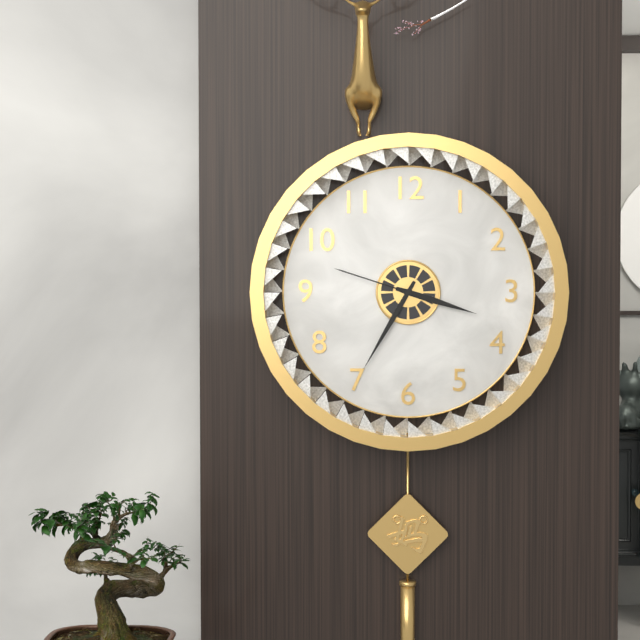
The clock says h=3 m=35 s=48
